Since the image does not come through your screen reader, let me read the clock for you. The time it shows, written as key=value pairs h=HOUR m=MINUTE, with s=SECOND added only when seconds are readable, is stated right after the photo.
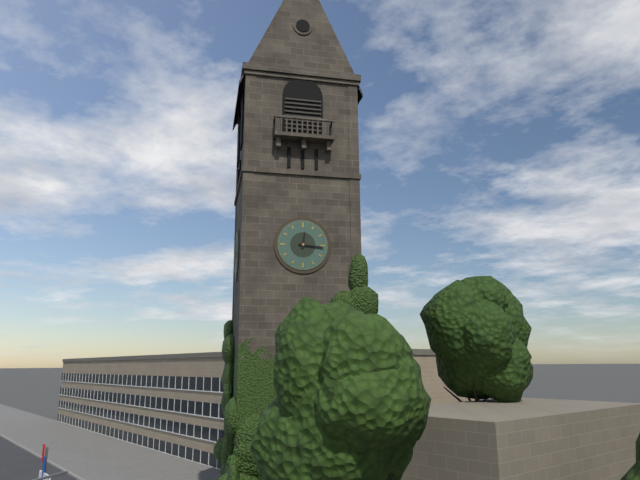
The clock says h=12 m=16
